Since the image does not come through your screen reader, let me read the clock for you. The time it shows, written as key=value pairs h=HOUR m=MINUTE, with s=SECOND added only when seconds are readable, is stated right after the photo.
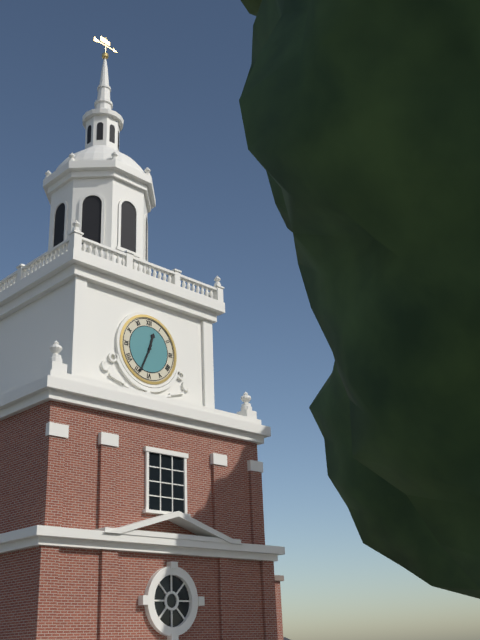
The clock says h=12 m=34
